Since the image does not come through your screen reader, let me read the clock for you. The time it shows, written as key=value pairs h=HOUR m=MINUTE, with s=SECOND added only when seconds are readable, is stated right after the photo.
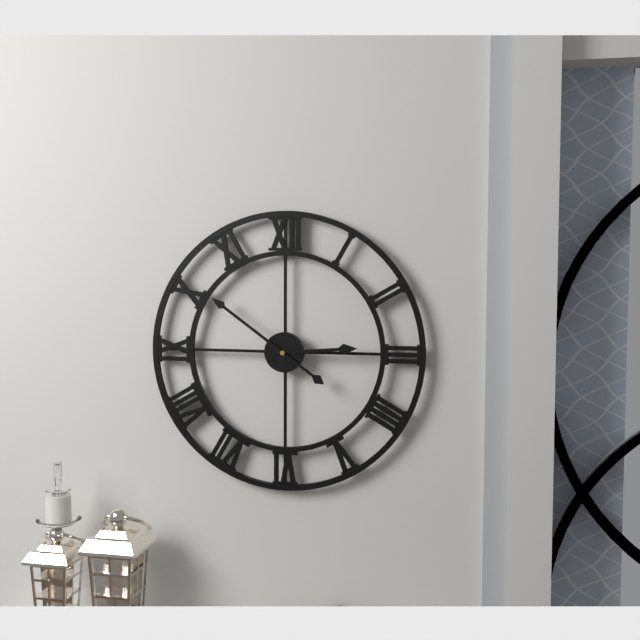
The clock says h=2 m=51
